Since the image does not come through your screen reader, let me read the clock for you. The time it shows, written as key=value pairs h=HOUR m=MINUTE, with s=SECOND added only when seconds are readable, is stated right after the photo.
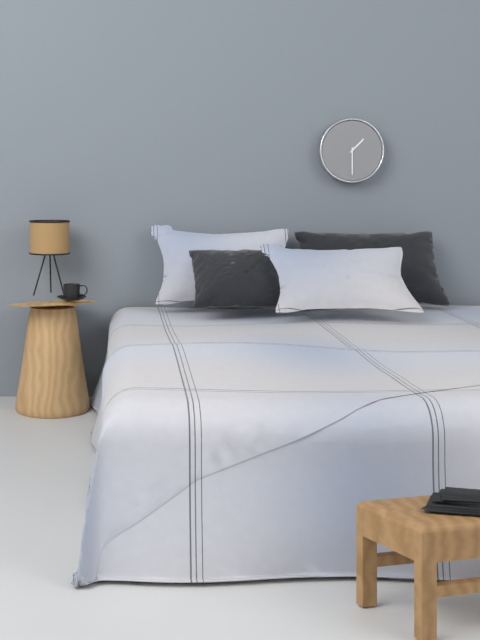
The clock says h=1 m=30
